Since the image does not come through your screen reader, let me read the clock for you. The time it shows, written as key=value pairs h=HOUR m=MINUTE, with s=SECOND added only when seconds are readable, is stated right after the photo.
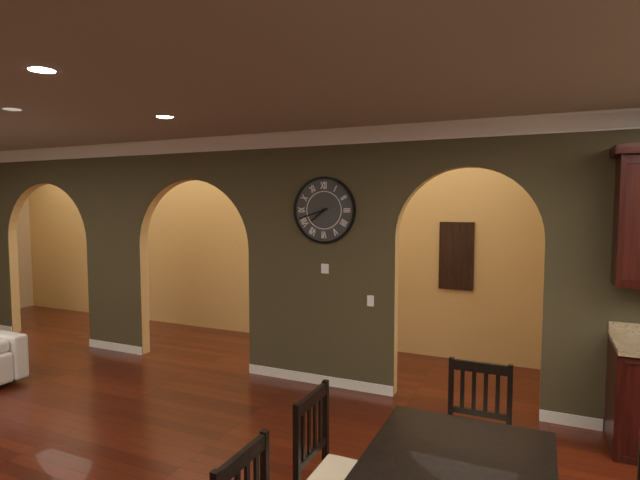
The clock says h=7 m=42
